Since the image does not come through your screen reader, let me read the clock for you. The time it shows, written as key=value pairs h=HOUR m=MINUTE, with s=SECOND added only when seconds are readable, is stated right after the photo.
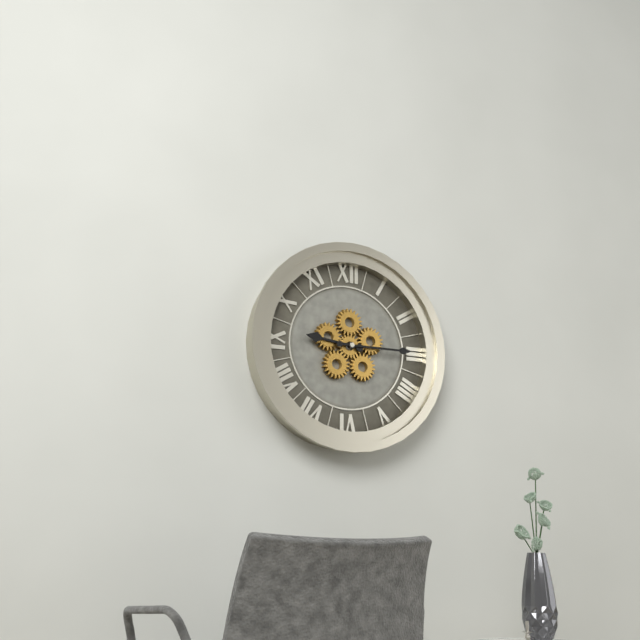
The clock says h=9 m=15
